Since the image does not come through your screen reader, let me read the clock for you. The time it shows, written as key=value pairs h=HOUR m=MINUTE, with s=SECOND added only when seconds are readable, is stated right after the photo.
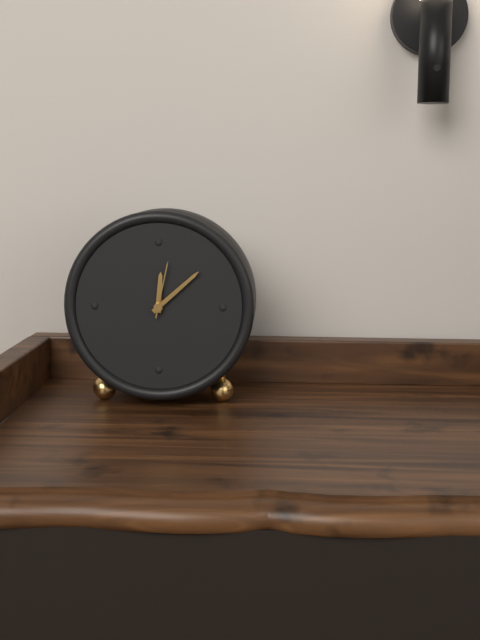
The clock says h=12 m=8 s=2
